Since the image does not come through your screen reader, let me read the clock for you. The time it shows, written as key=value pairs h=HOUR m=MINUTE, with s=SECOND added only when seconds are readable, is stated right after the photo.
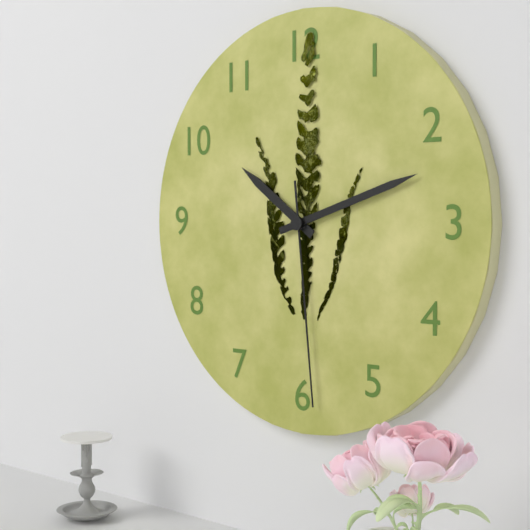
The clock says h=10 m=12 s=29
